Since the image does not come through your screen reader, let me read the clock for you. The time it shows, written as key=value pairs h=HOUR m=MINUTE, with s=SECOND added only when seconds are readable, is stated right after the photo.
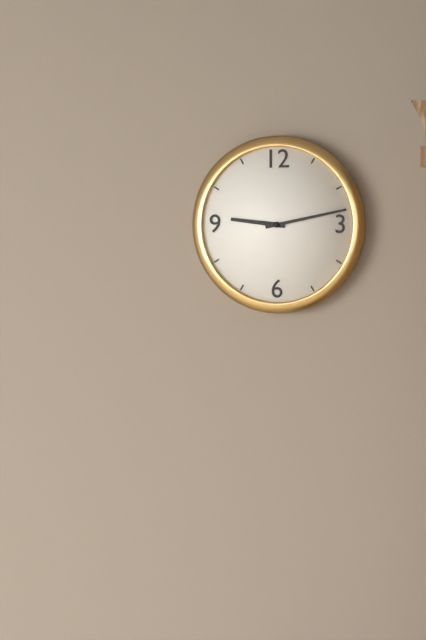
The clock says h=9 m=13
